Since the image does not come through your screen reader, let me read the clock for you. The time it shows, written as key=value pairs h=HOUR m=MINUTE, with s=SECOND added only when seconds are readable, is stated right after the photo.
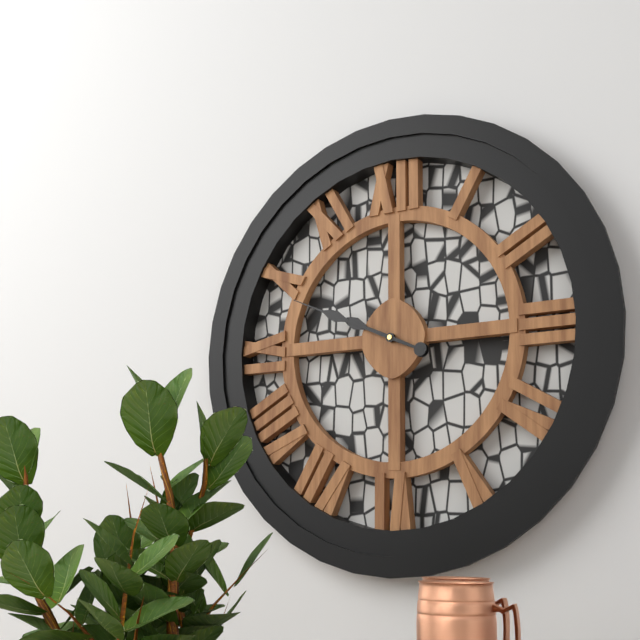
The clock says h=9 m=49
